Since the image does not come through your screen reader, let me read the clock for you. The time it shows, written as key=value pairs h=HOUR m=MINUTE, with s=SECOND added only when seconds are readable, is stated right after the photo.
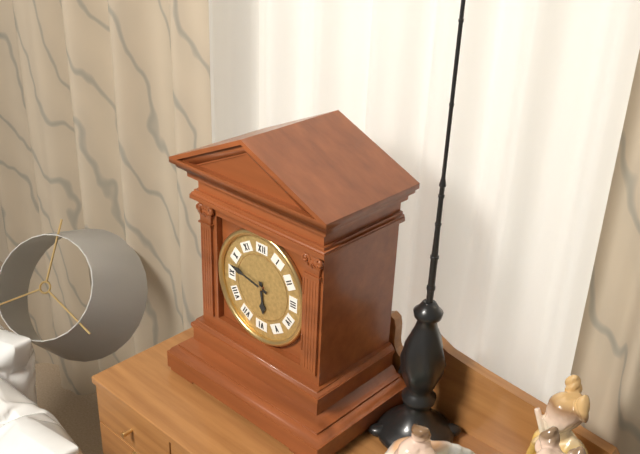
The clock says h=5 m=47
